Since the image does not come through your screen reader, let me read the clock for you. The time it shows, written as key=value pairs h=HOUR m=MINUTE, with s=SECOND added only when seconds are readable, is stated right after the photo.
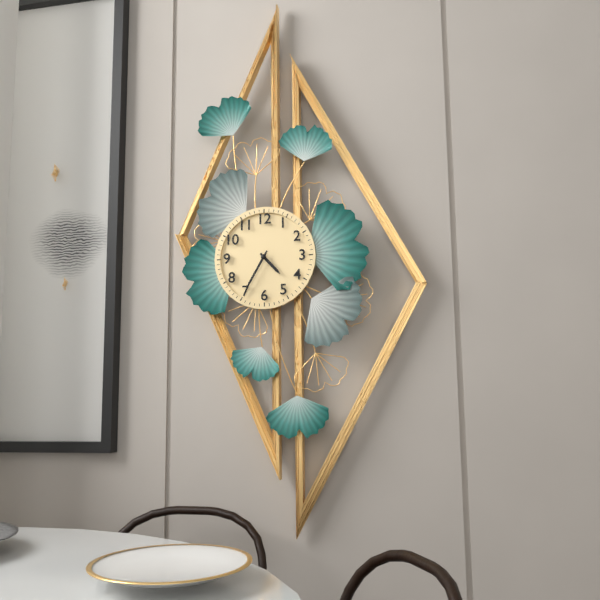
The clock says h=4 m=35
